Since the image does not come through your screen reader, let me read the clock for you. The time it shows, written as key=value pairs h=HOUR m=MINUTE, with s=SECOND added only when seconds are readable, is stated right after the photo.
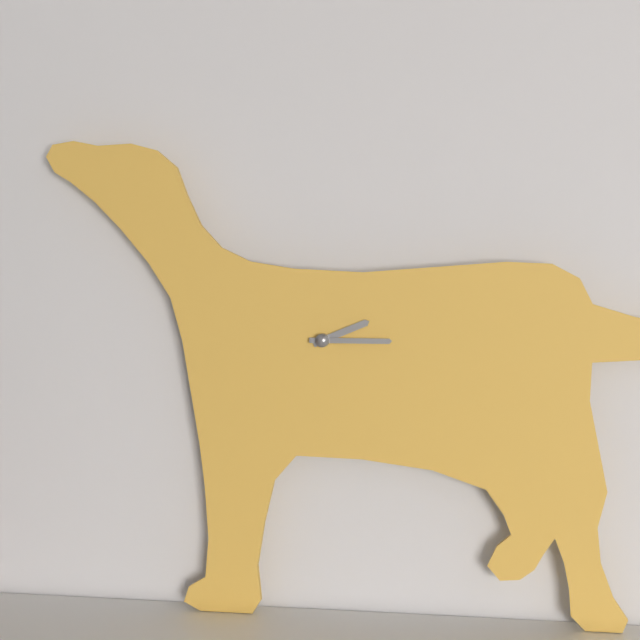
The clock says h=2 m=15
